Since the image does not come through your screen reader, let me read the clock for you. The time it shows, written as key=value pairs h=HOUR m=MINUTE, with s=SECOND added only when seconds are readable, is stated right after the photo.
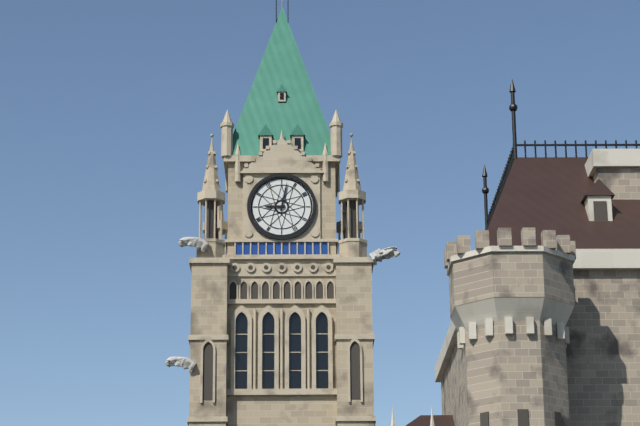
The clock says h=9 m=2
